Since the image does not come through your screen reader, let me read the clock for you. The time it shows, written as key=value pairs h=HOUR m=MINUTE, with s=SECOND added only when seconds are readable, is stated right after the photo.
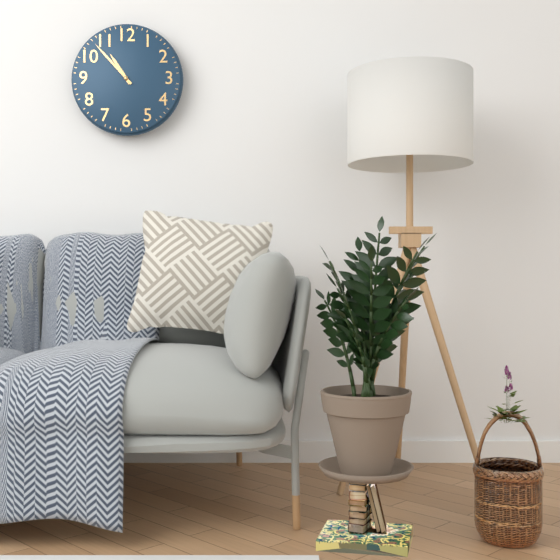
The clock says h=10 m=53
